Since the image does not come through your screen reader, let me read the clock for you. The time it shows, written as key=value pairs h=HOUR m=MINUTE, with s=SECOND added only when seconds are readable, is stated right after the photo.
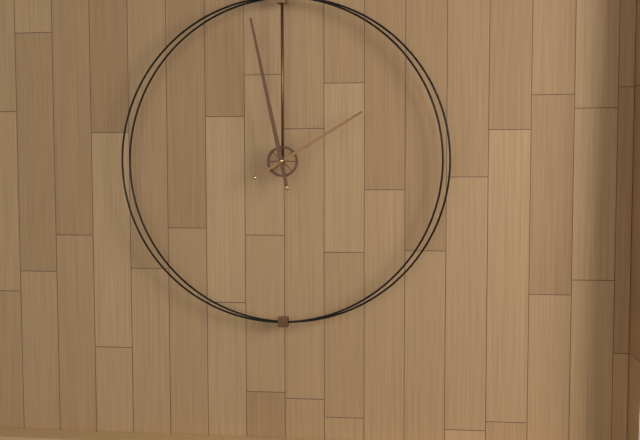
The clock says h=1 m=58
